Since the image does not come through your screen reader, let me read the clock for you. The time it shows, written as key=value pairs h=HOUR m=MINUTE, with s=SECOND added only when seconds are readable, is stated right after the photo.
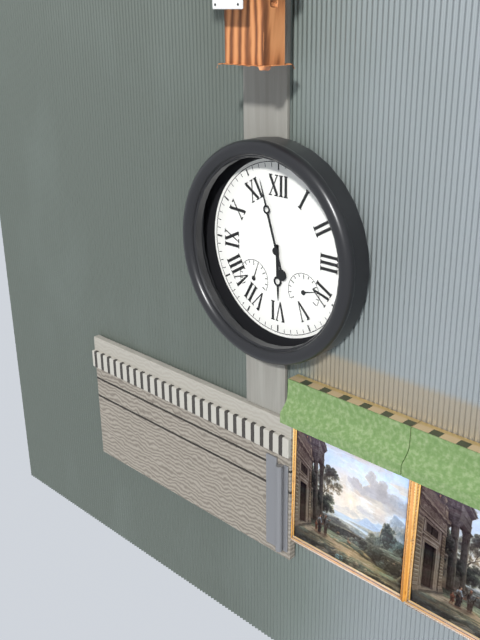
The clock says h=5 m=57
